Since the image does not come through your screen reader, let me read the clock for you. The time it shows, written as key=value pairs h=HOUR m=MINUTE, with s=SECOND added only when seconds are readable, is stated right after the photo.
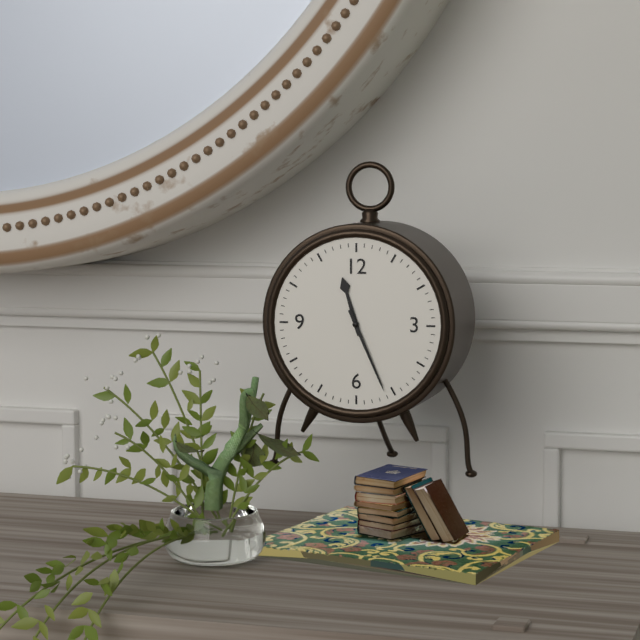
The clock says h=11 m=26
